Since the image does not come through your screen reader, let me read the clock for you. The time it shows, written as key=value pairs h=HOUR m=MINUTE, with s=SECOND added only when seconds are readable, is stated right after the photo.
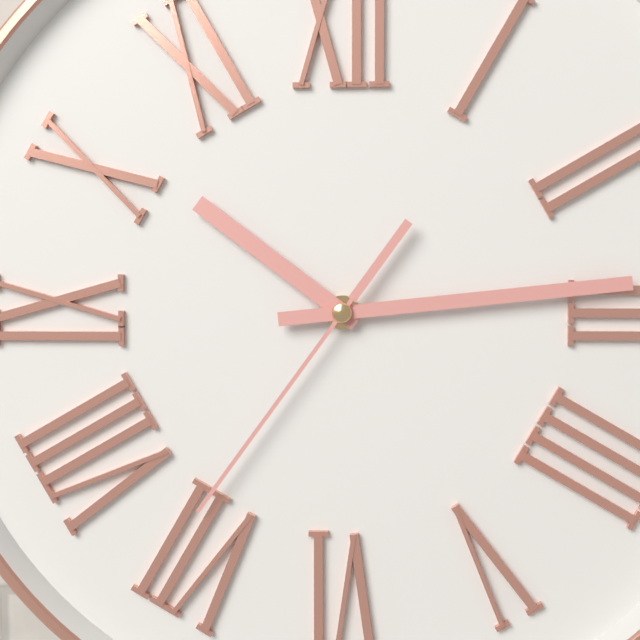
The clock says h=10 m=14 s=36
